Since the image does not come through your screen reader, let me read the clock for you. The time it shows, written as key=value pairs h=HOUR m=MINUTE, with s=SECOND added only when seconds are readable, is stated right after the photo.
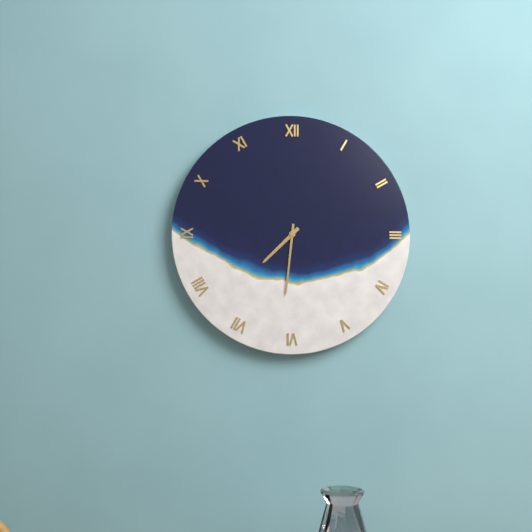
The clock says h=7 m=31
